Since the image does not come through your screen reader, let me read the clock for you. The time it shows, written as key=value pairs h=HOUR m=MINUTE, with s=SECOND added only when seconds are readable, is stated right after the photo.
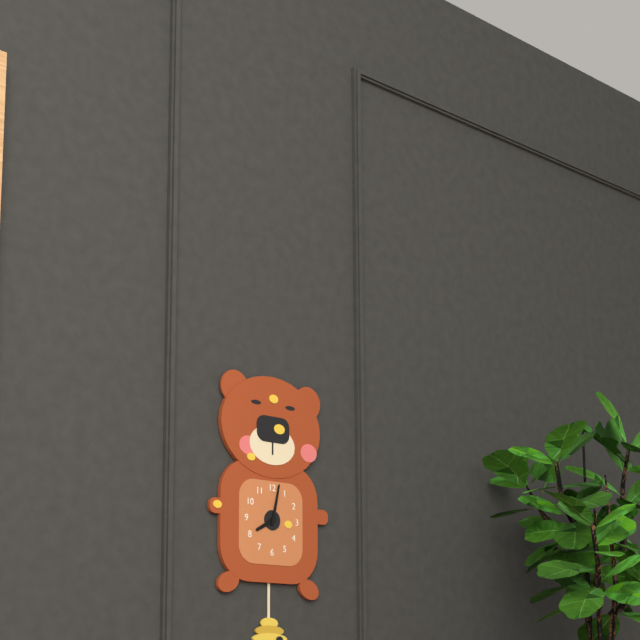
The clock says h=8 m=2
